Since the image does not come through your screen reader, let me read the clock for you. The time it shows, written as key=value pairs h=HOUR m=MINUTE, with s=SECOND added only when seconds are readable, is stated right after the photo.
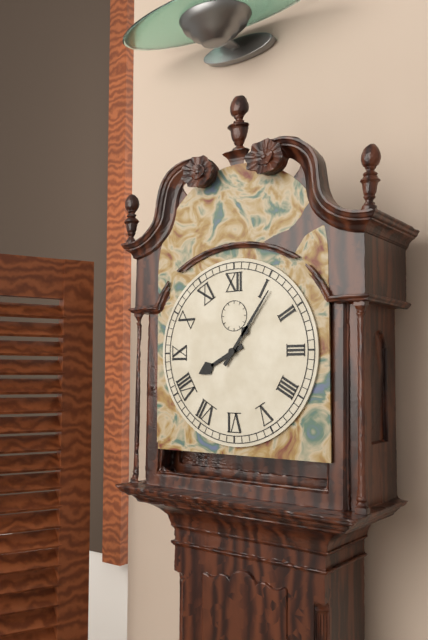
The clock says h=8 m=6
